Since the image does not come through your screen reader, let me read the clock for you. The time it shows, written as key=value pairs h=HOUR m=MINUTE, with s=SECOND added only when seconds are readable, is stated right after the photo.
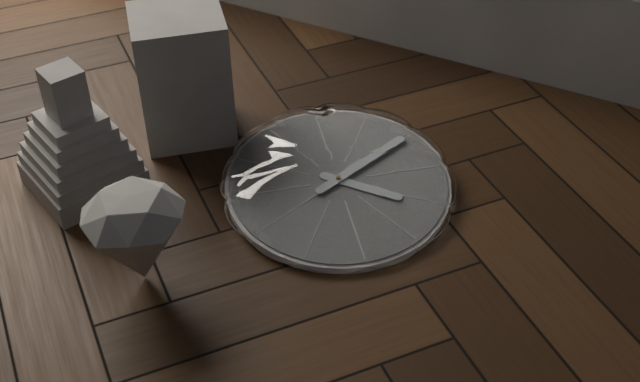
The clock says h=4 m=10
